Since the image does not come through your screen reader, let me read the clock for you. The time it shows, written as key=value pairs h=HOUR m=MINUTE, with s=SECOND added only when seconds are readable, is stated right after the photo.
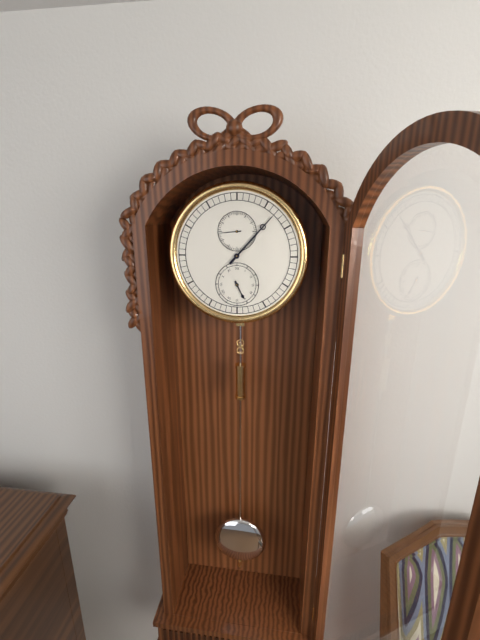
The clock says h=5 m=7
